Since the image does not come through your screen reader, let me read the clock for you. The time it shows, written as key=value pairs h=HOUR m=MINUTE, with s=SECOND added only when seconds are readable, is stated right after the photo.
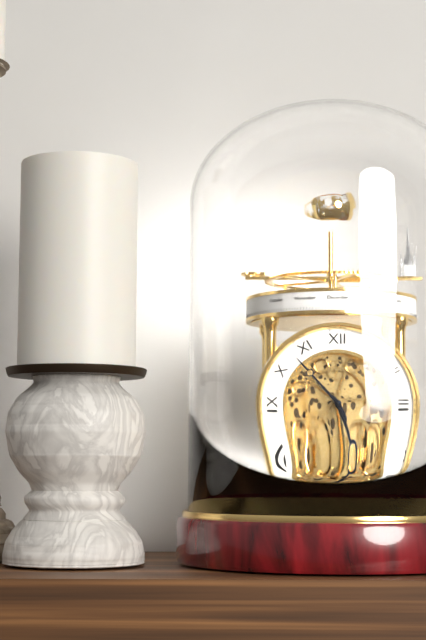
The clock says h=4 m=53
